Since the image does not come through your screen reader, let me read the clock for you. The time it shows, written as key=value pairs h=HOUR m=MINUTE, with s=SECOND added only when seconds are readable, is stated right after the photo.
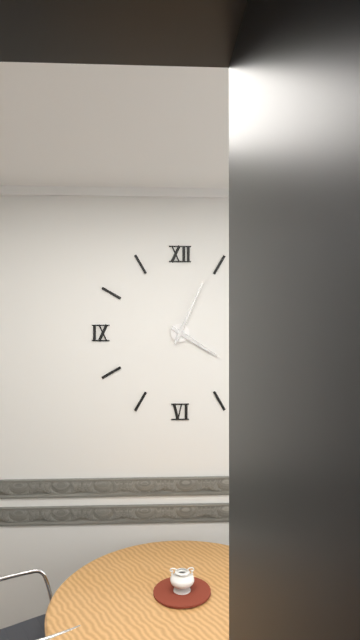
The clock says h=4 m=4
